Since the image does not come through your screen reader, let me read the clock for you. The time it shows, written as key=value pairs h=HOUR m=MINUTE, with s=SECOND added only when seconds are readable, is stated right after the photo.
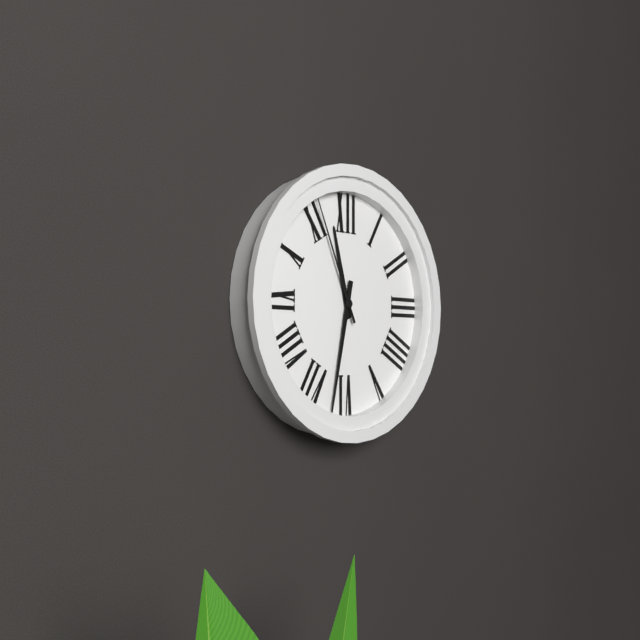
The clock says h=11 m=32 s=56
